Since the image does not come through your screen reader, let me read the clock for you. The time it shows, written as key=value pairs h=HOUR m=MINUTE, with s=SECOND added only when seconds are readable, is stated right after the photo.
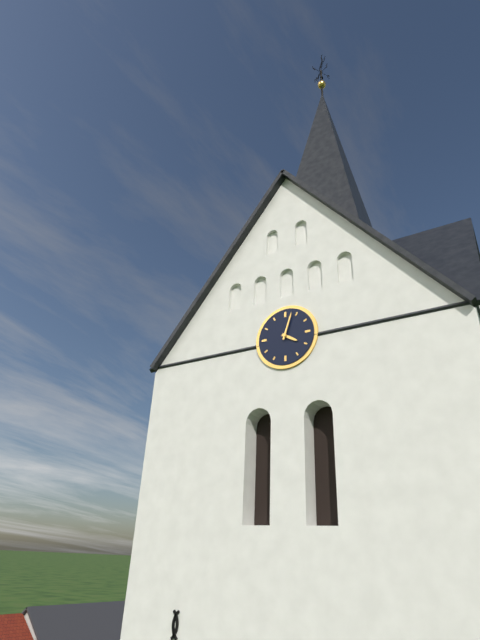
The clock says h=4 m=3
